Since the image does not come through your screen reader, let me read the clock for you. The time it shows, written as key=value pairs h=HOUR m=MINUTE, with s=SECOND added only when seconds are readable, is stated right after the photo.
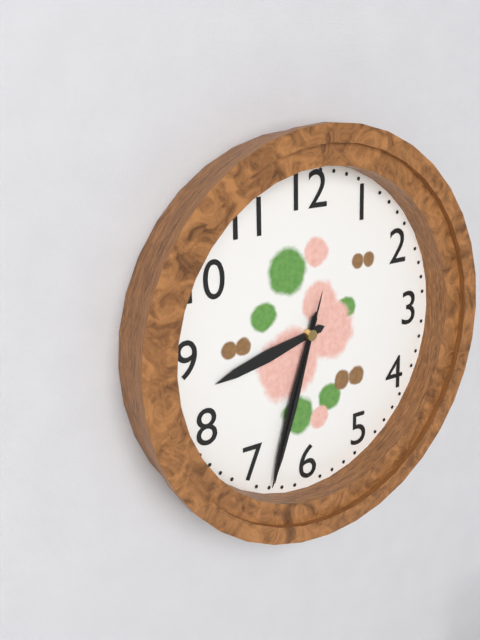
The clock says h=8 m=33 s=33
